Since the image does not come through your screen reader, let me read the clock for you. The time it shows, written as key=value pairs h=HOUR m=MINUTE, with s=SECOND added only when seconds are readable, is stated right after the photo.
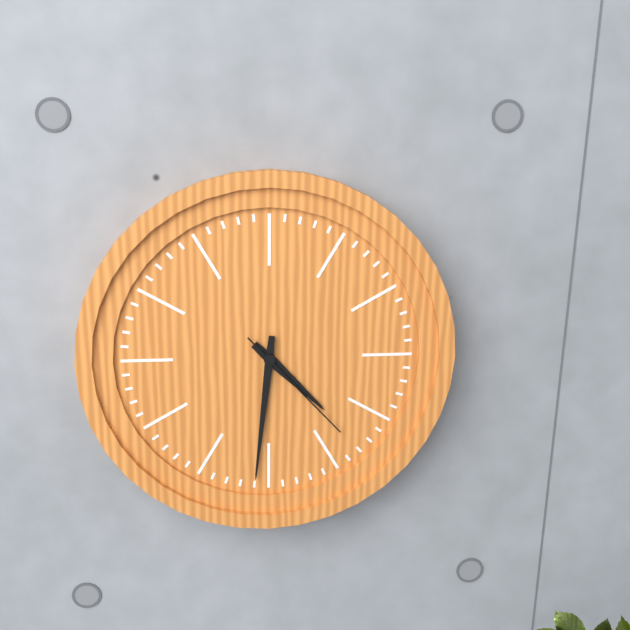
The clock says h=4 m=31 s=23
